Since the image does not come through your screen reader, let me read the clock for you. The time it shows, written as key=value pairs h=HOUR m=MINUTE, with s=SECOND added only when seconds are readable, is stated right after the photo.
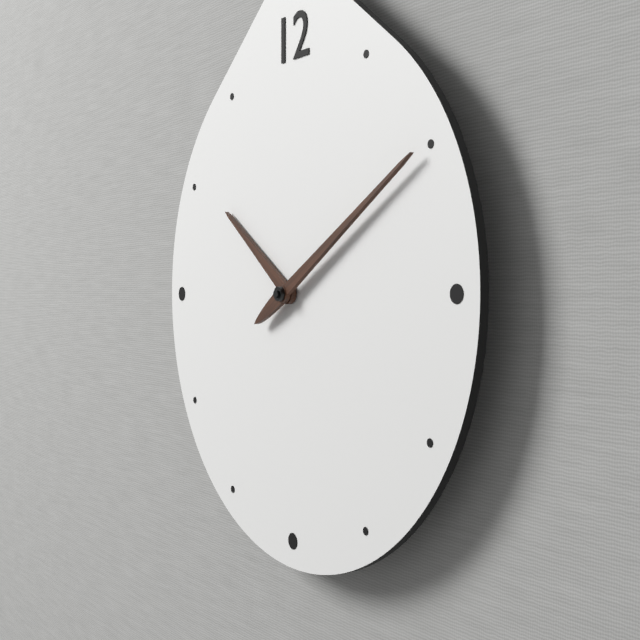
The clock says h=10 m=10
